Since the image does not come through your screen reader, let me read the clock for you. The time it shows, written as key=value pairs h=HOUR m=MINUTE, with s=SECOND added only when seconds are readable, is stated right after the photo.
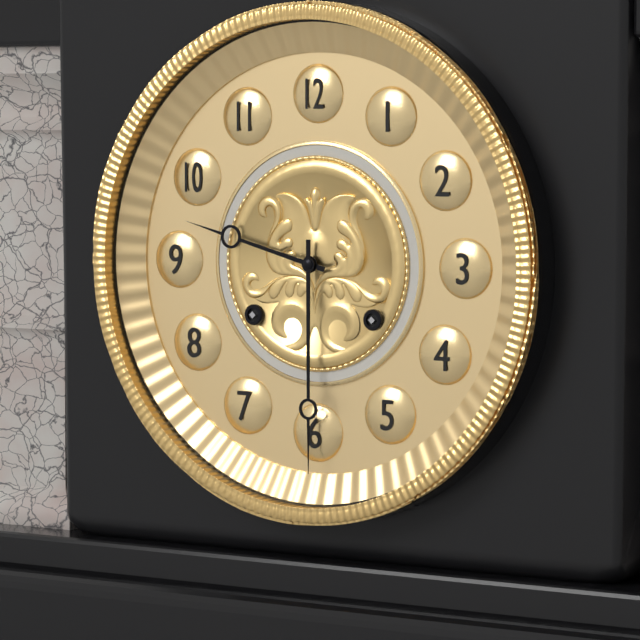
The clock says h=9 m=30
